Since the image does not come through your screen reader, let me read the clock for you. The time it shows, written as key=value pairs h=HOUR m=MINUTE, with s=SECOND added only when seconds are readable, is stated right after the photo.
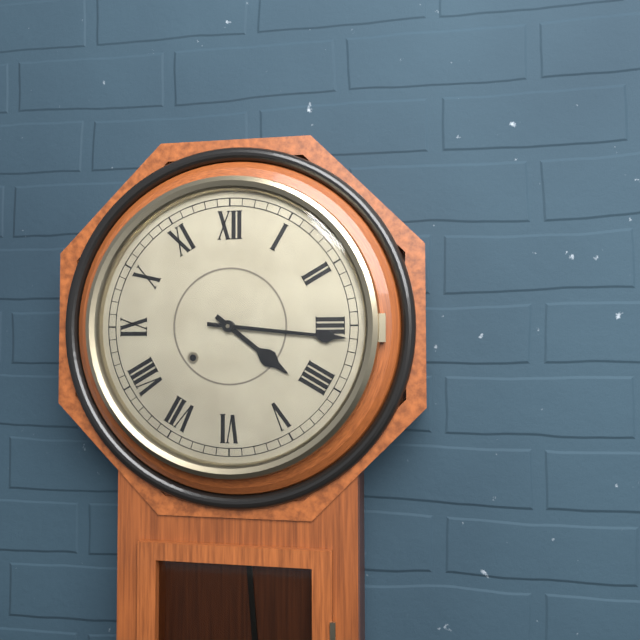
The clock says h=4 m=16
